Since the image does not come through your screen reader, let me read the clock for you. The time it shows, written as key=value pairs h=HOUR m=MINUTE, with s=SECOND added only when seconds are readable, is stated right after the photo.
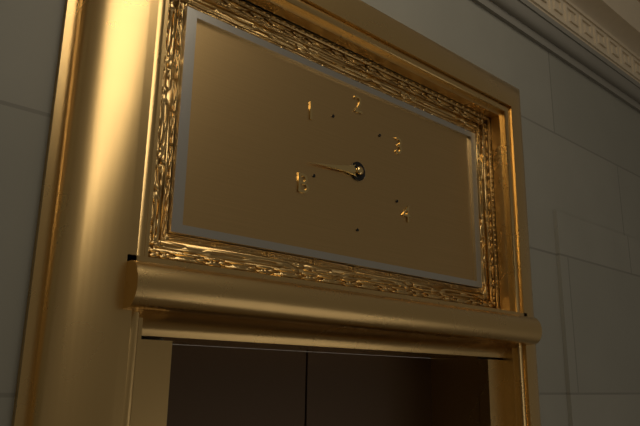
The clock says h=8 m=44
